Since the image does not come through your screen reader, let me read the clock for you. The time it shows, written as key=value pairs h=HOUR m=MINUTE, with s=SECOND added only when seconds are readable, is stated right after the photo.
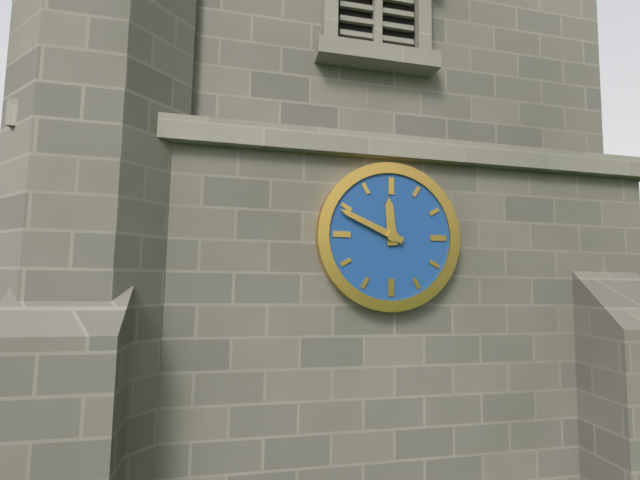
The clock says h=11 m=49
